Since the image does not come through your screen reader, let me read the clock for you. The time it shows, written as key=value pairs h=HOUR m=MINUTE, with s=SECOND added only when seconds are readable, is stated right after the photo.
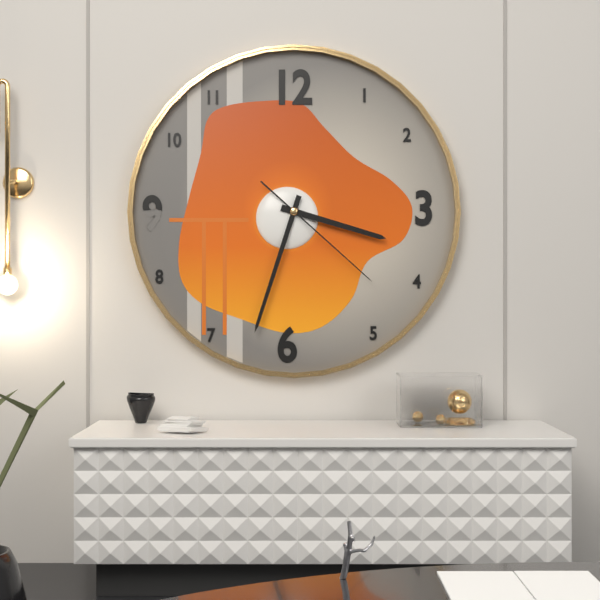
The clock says h=3 m=33 s=22
